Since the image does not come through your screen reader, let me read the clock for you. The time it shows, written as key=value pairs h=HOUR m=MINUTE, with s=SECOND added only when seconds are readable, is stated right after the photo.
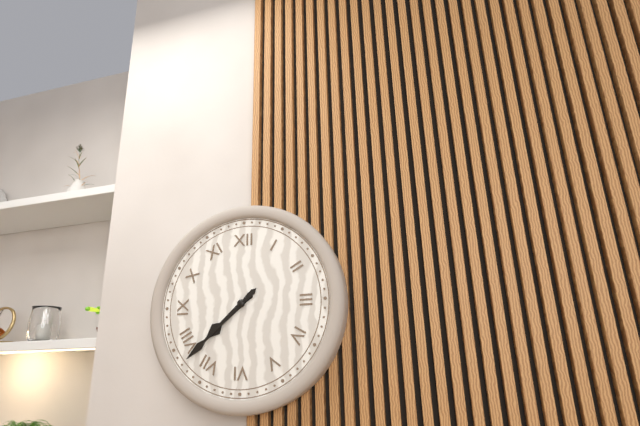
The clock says h=7 m=38
